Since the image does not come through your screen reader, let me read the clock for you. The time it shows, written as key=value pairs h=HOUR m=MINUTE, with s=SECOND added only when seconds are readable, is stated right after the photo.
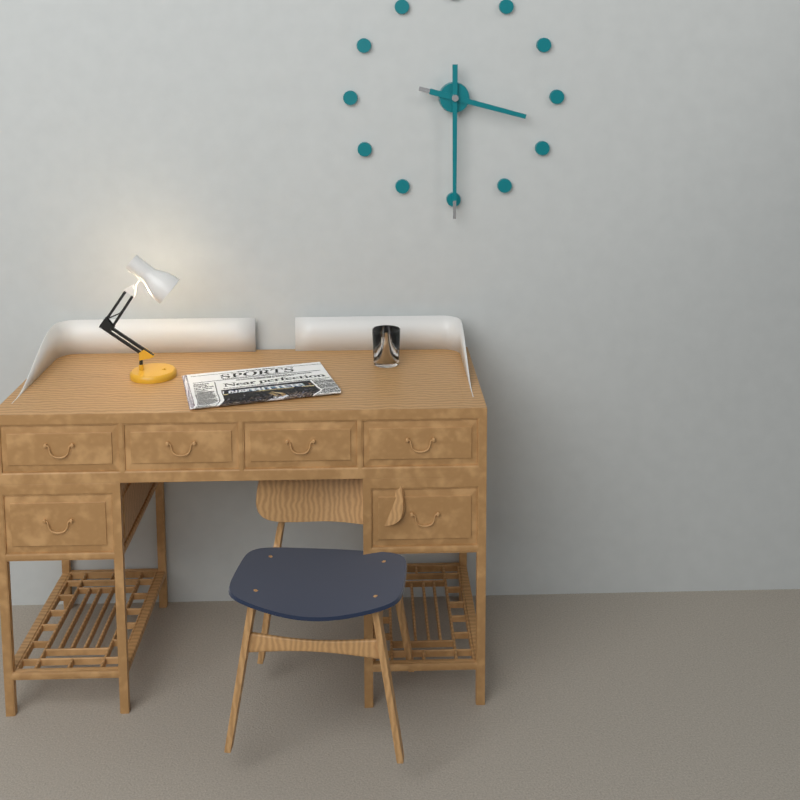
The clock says h=3 m=30
